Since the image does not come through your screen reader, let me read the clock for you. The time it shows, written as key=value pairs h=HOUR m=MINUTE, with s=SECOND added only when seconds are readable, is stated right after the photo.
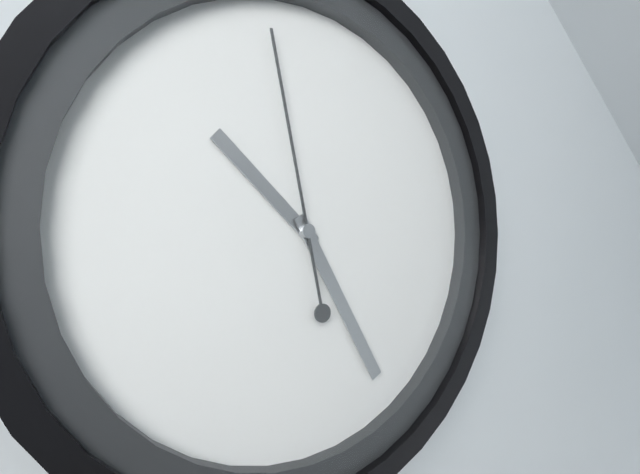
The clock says h=10 m=25 s=58
